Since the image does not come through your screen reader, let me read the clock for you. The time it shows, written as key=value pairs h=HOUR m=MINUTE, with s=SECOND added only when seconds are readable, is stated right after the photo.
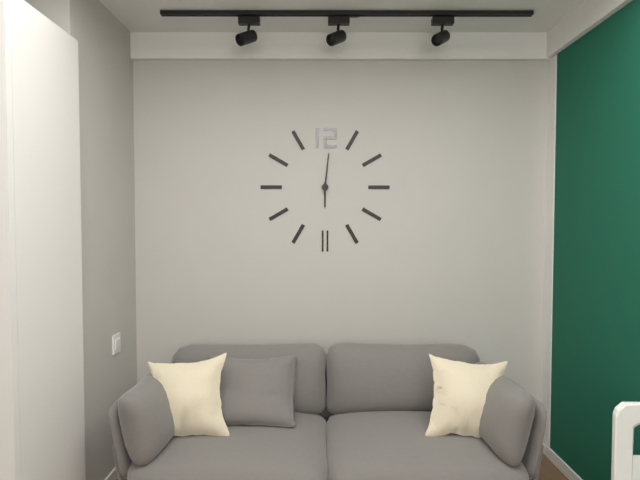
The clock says h=6 m=1
